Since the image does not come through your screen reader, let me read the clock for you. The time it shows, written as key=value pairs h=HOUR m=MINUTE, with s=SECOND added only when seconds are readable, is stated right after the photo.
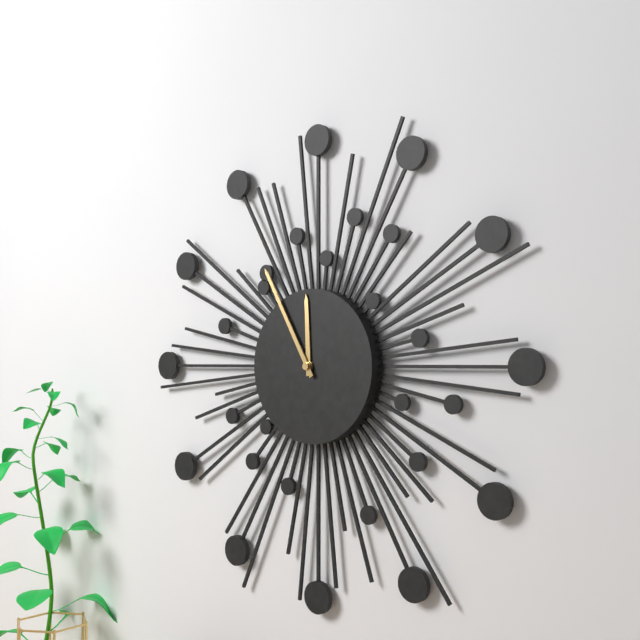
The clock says h=11 m=55
